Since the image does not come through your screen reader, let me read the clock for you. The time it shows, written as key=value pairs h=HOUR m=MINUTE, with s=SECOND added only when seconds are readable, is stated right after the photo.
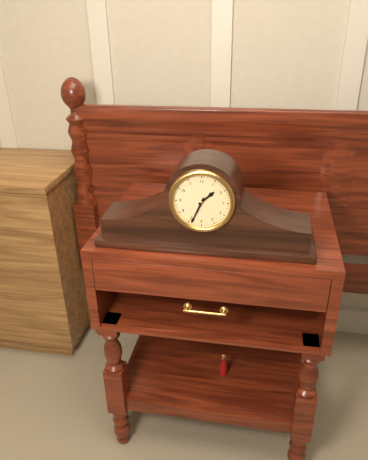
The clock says h=1 m=34
